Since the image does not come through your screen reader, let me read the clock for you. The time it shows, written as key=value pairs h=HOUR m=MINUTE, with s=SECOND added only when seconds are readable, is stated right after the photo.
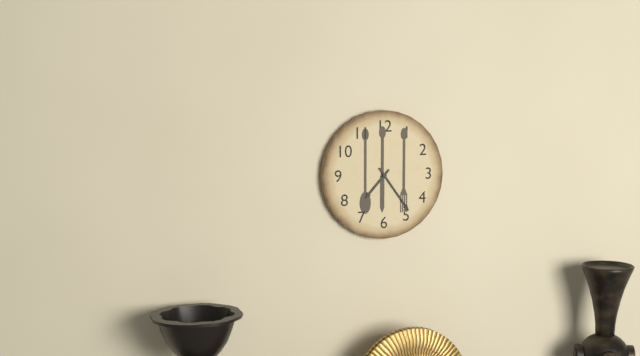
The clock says h=7 m=24
